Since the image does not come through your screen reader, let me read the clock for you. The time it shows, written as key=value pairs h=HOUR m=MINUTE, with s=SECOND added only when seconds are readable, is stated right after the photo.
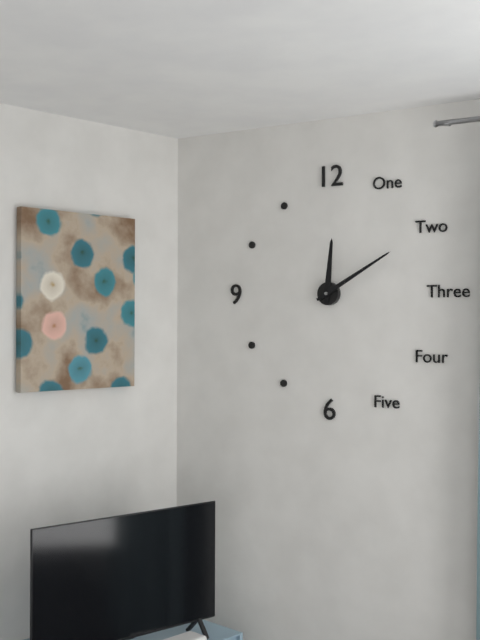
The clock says h=12 m=10
